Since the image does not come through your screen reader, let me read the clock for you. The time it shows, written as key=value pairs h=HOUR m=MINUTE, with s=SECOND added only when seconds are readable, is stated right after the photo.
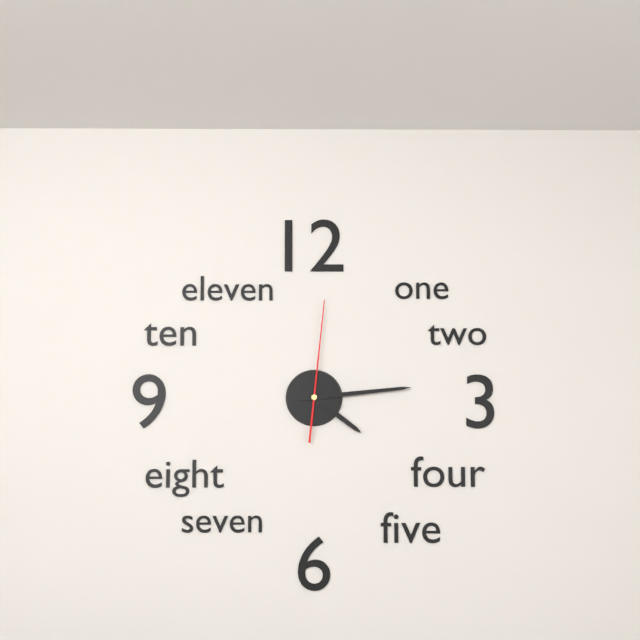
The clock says h=4 m=14 s=1
